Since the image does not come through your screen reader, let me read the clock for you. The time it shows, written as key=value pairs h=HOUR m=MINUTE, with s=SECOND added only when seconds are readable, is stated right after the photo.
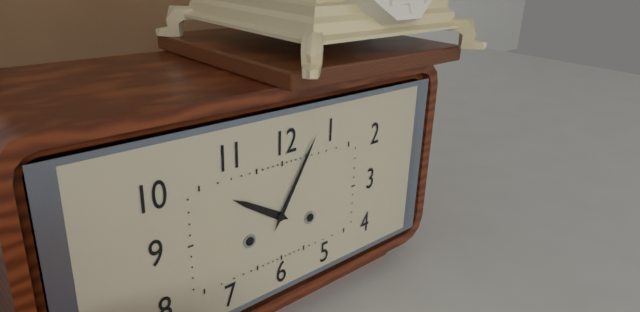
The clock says h=10 m=5
